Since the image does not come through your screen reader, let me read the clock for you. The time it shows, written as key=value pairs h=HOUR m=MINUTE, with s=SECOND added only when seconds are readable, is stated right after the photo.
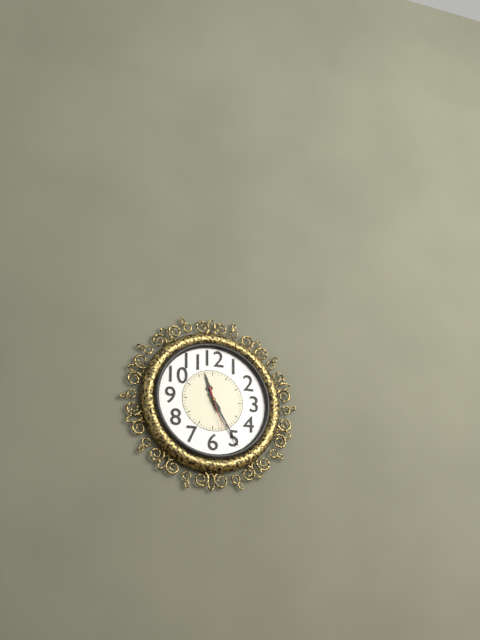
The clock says h=11 m=25
